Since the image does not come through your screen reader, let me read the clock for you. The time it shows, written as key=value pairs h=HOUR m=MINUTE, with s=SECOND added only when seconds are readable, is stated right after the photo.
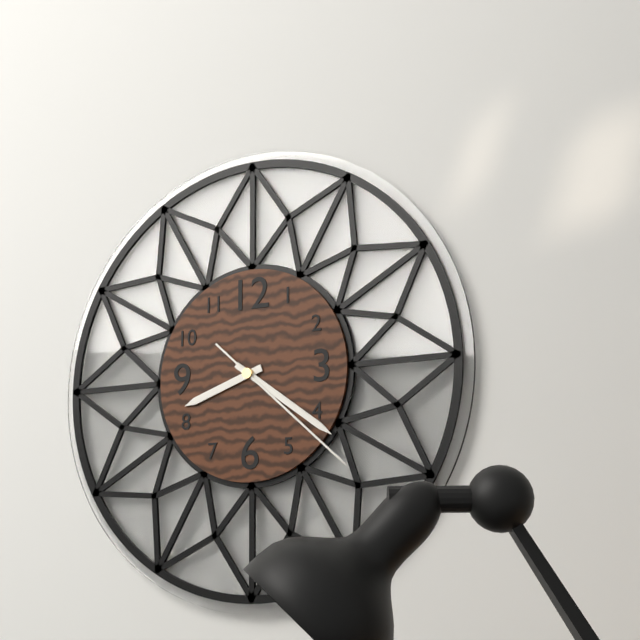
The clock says h=8 m=21 s=22
